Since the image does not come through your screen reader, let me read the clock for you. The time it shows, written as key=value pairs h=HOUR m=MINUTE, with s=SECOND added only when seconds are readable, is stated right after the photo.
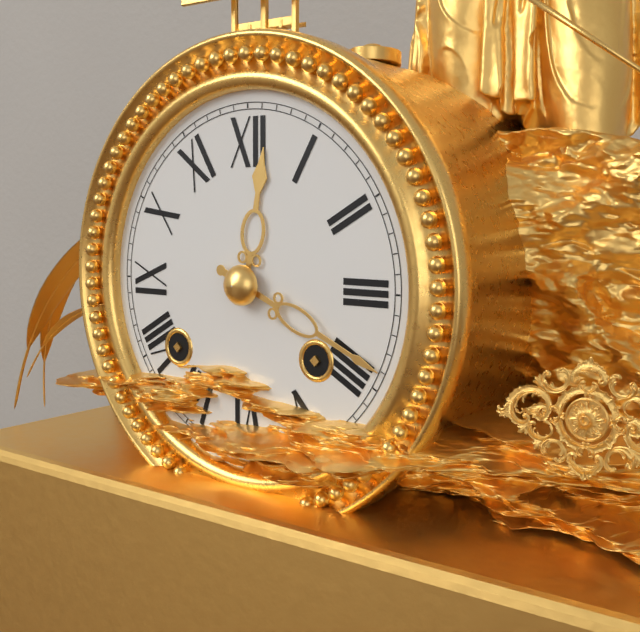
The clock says h=12 m=19
